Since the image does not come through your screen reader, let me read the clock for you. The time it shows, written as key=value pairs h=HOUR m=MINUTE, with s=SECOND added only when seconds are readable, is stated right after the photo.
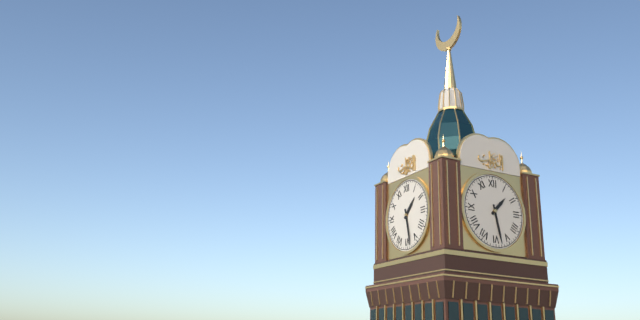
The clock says h=1 m=28
